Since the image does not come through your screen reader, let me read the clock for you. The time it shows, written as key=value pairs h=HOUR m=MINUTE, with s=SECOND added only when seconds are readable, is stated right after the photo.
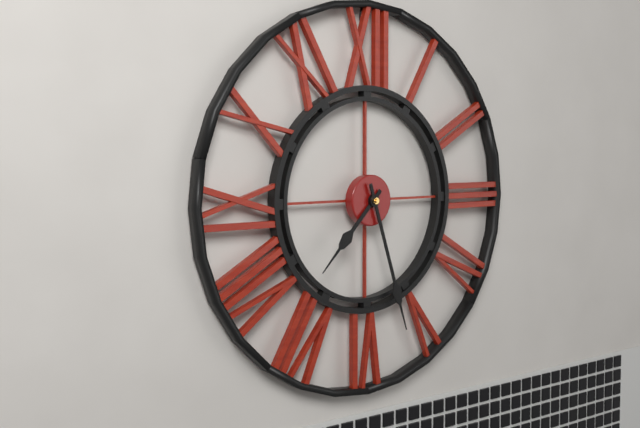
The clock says h=7 m=27
